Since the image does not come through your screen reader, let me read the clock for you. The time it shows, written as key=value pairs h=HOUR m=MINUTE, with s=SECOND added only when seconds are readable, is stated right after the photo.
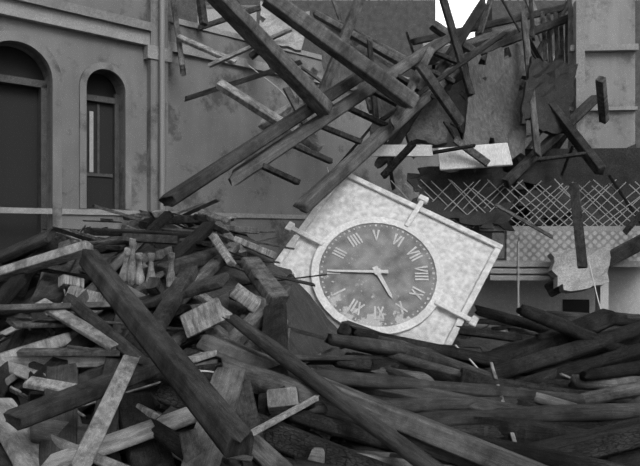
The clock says h=10 m=10
